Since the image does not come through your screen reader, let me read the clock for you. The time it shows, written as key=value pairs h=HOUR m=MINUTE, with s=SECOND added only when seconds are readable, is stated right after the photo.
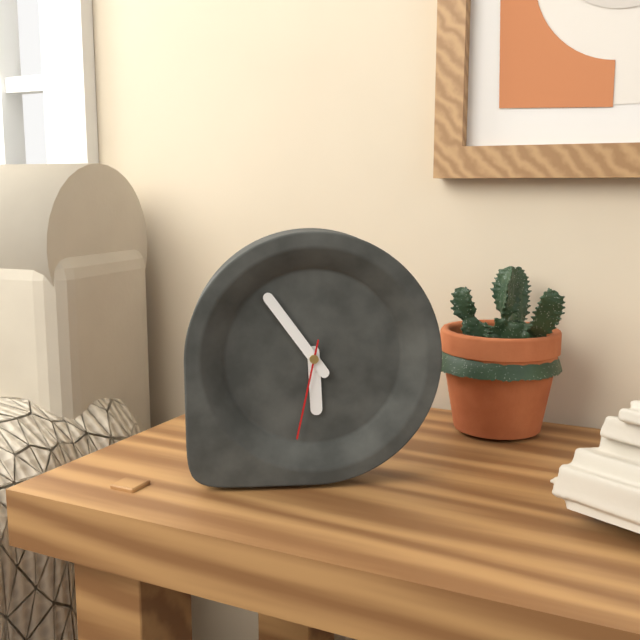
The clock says h=5 m=54 s=32
